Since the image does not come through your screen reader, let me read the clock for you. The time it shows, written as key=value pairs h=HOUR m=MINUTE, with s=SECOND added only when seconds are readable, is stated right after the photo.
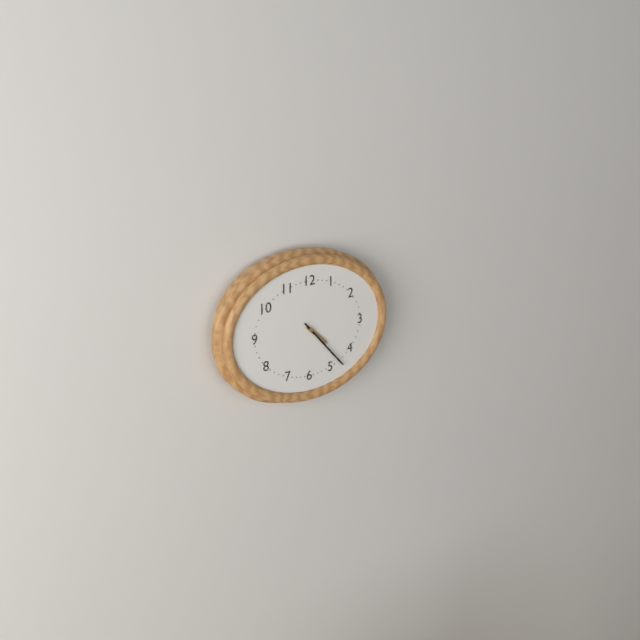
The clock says h=4 m=23
